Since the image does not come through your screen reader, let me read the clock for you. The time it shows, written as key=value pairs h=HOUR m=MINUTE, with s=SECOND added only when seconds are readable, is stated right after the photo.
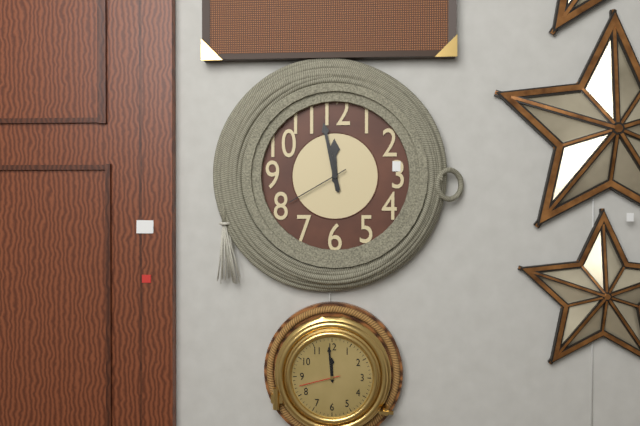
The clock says h=11 m=58 s=40
